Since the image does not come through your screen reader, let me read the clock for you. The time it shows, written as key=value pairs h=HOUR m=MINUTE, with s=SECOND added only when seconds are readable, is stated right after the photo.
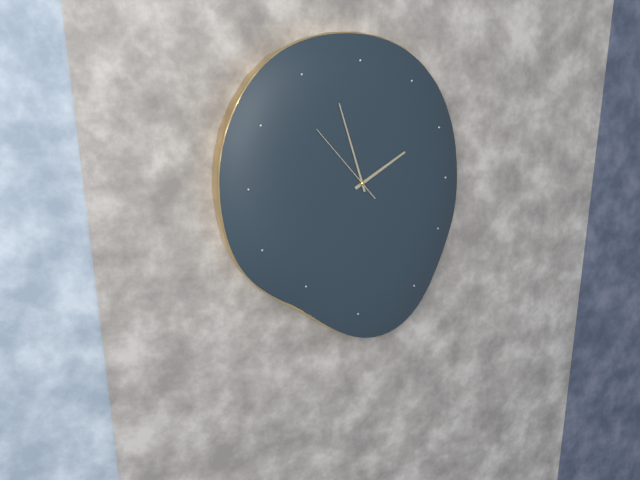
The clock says h=1 m=57 s=53
